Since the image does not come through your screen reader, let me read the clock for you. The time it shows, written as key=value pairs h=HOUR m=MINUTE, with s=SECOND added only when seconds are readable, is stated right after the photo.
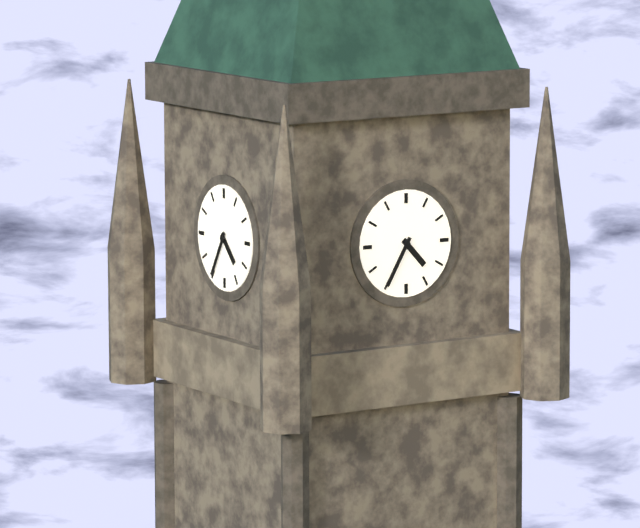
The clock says h=4 m=35
